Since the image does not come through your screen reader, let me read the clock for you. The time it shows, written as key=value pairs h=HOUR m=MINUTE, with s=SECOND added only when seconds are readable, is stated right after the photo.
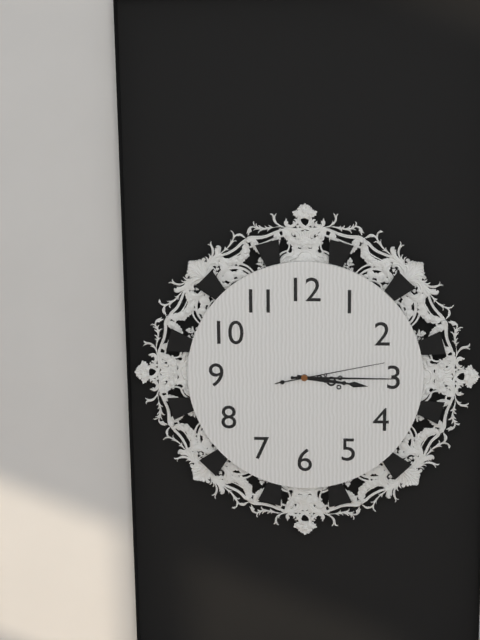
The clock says h=3 m=15 s=13
